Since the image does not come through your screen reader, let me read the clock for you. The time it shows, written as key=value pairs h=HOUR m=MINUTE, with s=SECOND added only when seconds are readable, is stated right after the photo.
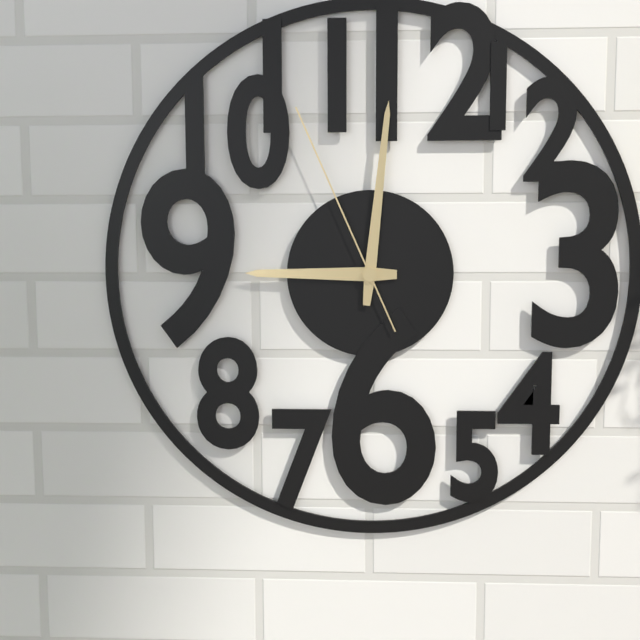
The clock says h=9 m=1 s=56
